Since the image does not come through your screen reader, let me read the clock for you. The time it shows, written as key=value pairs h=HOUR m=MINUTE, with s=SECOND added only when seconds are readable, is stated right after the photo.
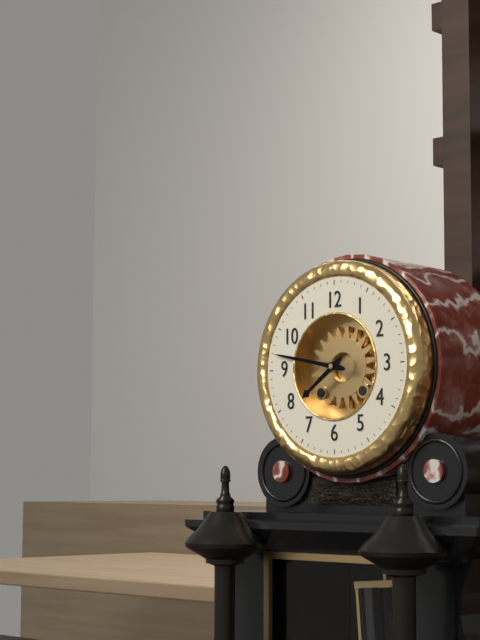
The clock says h=7 m=47
